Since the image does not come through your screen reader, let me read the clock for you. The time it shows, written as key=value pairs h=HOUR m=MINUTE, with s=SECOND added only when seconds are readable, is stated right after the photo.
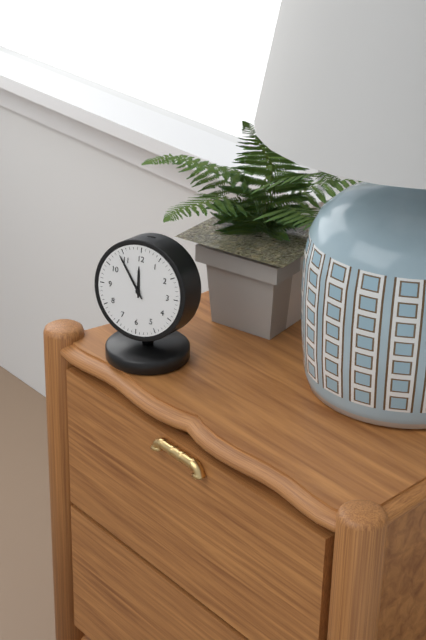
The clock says h=11 m=54
